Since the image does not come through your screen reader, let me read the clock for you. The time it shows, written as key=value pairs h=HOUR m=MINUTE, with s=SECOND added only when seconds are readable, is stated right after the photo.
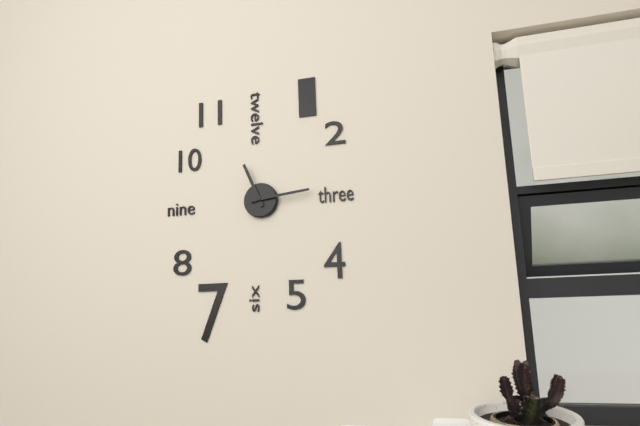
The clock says h=11 m=14
